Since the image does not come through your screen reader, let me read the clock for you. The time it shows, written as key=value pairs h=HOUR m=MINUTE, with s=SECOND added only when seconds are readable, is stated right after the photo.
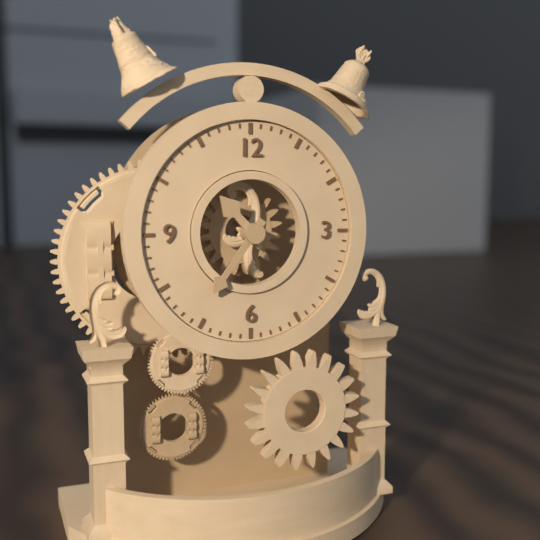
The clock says h=10 m=36
